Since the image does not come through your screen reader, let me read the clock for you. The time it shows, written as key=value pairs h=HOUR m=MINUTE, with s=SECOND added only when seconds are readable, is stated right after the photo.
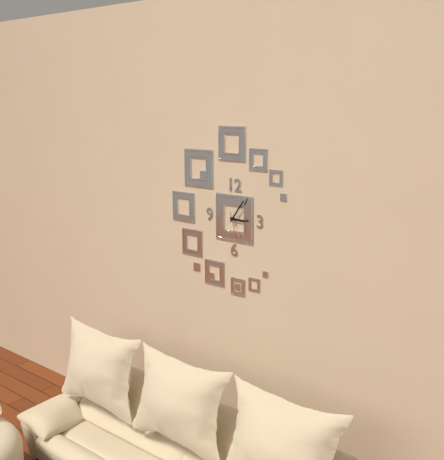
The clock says h=3 m=6
